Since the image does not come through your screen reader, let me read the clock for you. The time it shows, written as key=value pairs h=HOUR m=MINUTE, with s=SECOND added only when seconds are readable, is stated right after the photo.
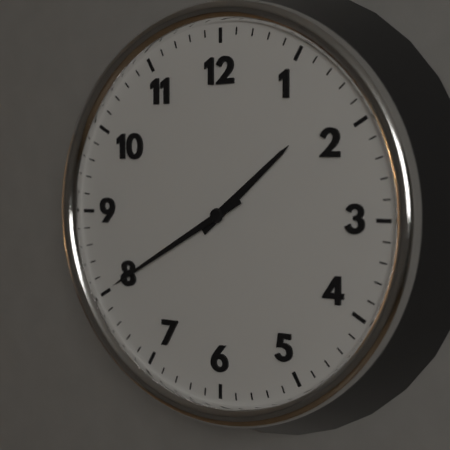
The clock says h=1 m=40
